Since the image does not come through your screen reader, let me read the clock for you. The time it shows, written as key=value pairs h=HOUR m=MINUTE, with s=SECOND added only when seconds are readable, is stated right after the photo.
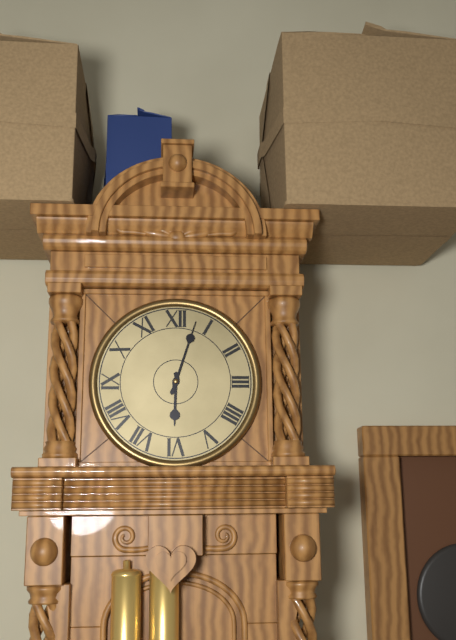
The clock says h=6 m=3
